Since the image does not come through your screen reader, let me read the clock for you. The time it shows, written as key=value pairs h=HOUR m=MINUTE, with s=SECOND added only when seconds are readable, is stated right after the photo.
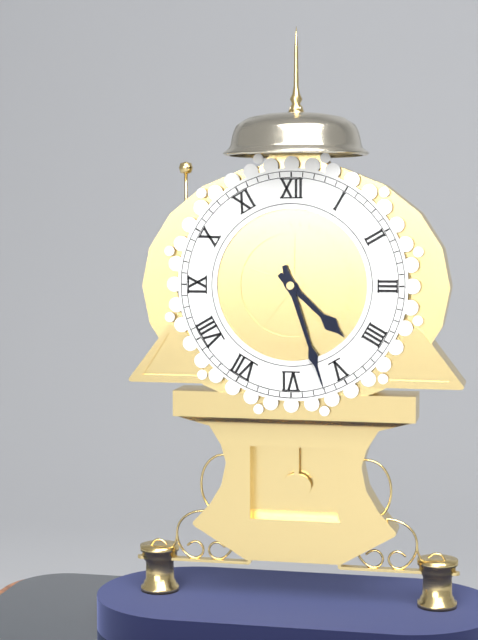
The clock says h=4 m=27
